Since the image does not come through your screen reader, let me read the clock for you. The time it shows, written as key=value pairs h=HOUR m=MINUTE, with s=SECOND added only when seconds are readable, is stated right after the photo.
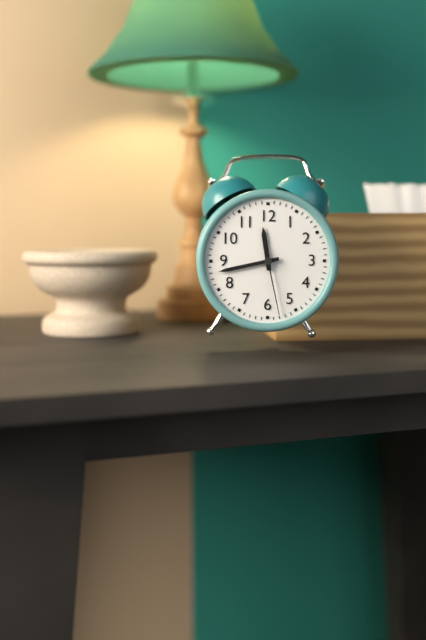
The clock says h=11 m=43 s=28
